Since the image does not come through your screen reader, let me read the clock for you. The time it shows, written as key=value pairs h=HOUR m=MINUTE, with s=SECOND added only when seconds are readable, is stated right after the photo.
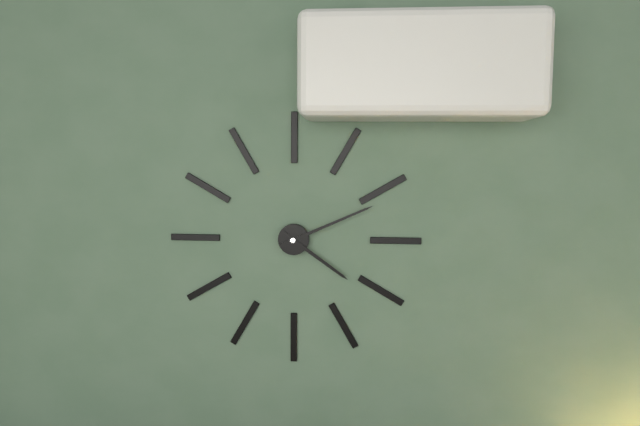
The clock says h=4 m=11
